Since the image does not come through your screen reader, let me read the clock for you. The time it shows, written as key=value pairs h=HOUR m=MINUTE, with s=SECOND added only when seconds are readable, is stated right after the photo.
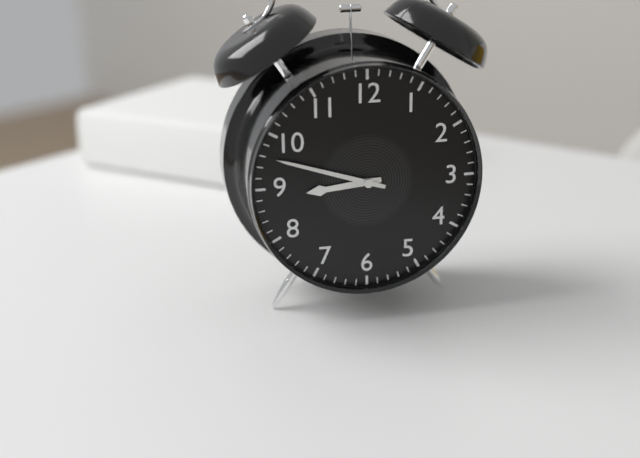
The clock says h=8 m=48
